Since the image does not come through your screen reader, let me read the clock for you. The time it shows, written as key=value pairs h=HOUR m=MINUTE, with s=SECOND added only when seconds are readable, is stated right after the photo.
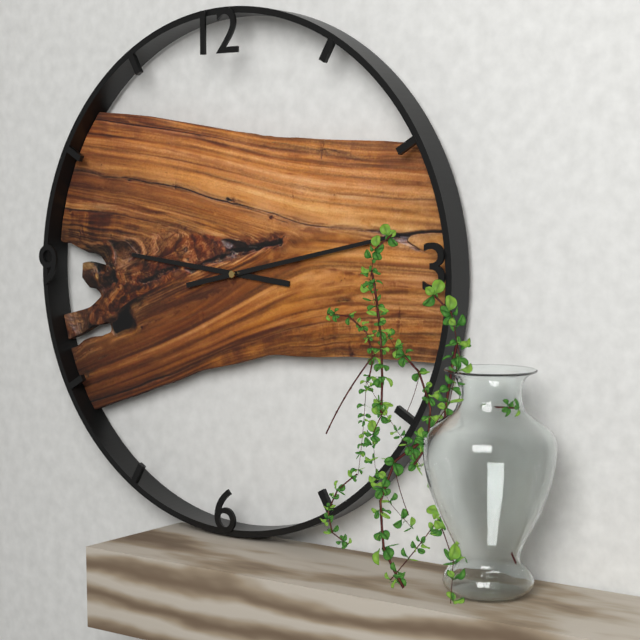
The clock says h=9 m=13
